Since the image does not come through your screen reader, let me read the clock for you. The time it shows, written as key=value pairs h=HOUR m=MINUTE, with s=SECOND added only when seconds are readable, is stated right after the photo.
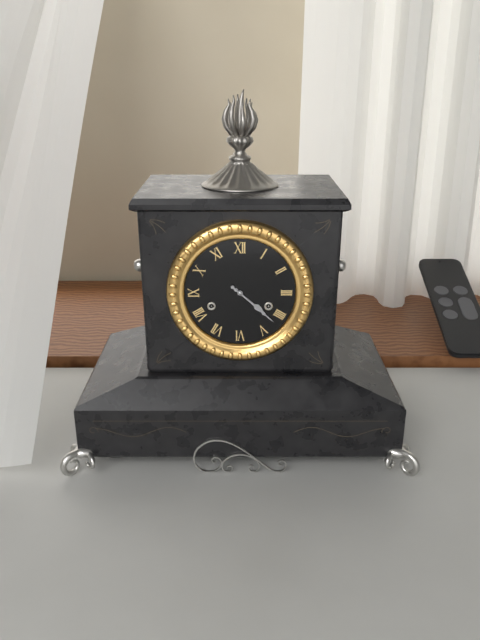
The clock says h=4 m=22
